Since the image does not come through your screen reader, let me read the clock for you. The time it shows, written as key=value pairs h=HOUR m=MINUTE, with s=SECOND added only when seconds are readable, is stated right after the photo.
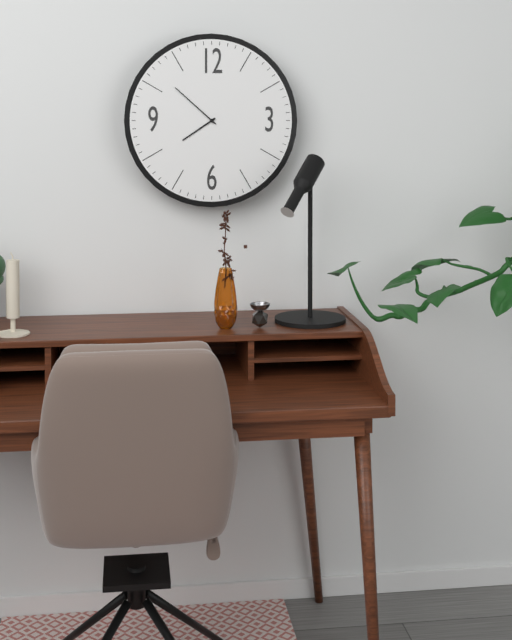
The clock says h=7 m=52
